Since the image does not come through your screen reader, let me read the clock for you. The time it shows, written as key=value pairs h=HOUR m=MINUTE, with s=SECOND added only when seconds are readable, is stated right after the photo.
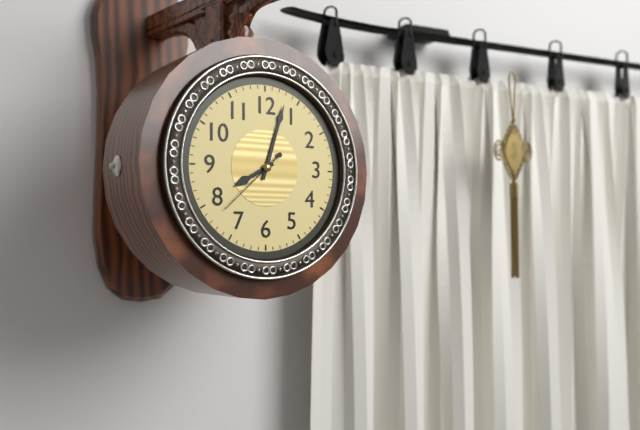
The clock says h=8 m=3 s=38
